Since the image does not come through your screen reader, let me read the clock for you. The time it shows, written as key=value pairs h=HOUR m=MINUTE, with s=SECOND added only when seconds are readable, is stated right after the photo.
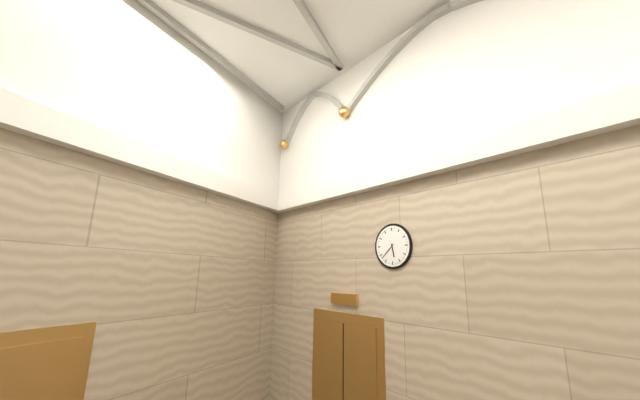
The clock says h=5 m=38
